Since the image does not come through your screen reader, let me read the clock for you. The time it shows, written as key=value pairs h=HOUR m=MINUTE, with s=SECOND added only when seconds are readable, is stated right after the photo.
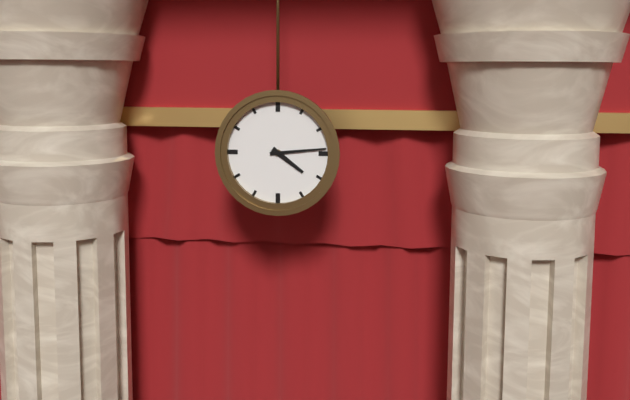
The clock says h=4 m=14
